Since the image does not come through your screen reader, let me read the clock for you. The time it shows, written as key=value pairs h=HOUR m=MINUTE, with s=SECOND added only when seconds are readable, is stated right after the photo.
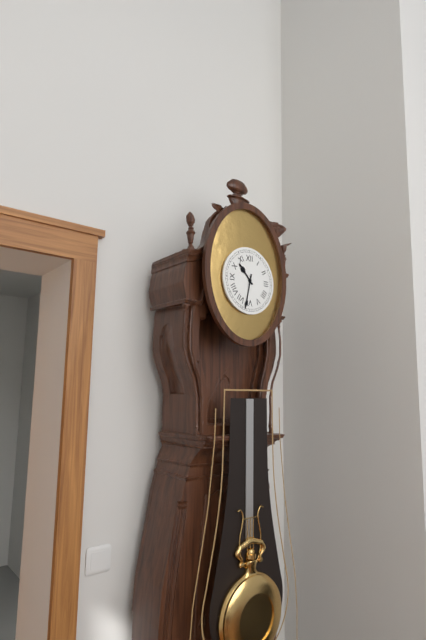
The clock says h=10 m=32
